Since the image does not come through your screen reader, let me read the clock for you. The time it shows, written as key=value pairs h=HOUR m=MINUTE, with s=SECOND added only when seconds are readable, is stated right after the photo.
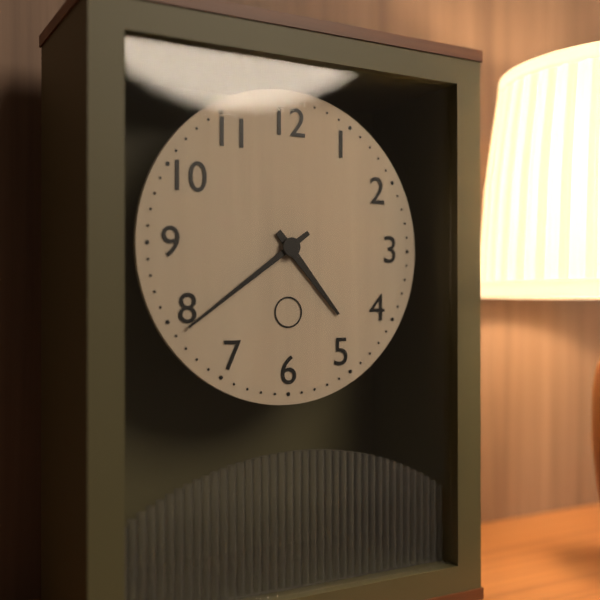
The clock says h=4 m=39
